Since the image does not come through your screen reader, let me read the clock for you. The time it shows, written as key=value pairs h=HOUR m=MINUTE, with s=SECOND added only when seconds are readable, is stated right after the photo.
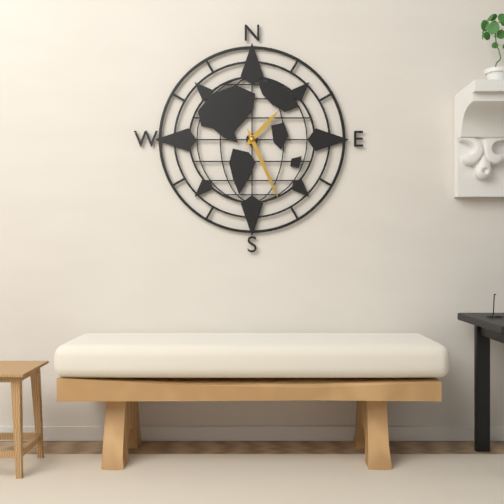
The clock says h=1 m=26
